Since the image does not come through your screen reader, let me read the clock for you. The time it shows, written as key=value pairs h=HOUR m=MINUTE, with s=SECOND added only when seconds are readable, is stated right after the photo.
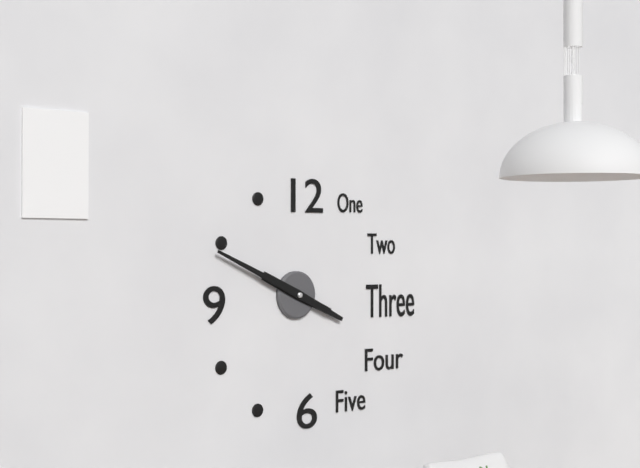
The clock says h=3 m=49
